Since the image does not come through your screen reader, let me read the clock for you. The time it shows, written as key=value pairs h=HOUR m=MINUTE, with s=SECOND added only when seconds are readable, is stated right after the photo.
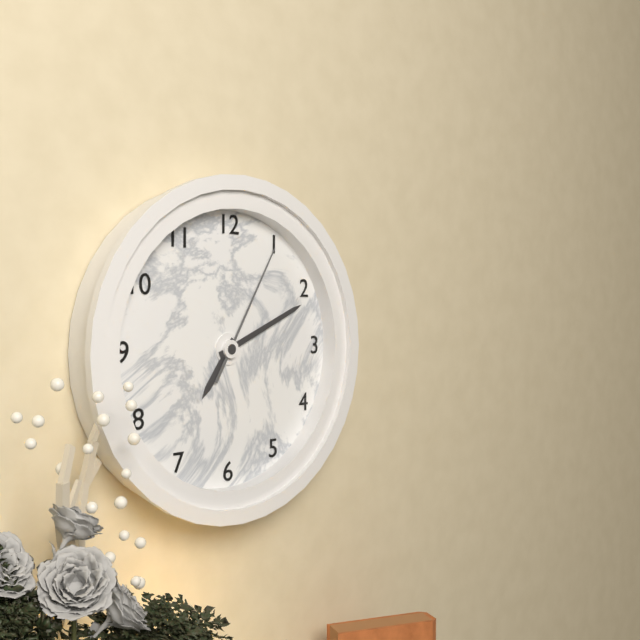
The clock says h=7 m=11 s=5
